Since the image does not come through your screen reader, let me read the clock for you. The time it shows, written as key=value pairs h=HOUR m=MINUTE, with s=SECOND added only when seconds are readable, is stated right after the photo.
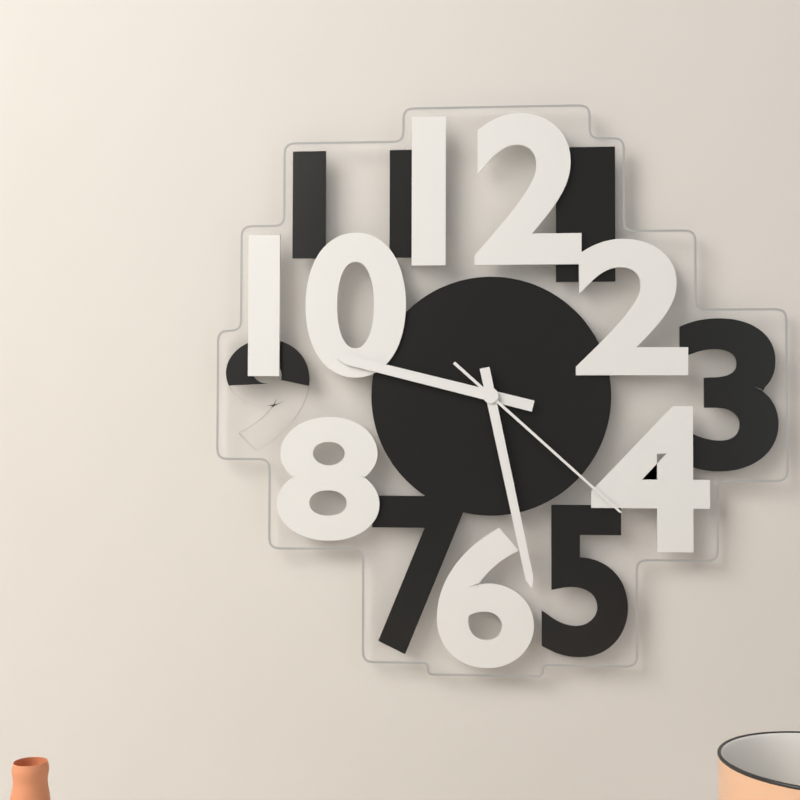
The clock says h=9 m=28 s=22
